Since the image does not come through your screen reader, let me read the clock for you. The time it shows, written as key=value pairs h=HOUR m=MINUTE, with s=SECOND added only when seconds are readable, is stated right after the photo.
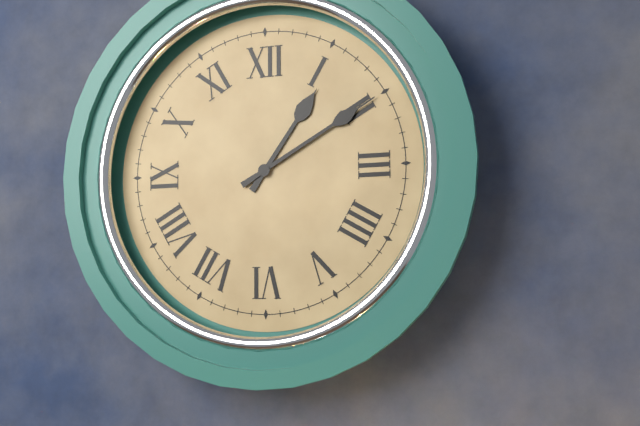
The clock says h=1 m=10
